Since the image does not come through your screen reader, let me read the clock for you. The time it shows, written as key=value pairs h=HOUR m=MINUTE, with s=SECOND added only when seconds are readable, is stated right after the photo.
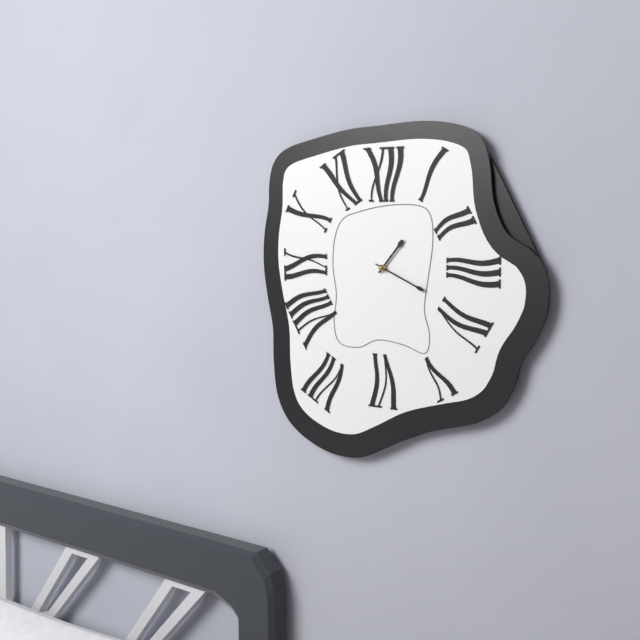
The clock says h=1 m=19
